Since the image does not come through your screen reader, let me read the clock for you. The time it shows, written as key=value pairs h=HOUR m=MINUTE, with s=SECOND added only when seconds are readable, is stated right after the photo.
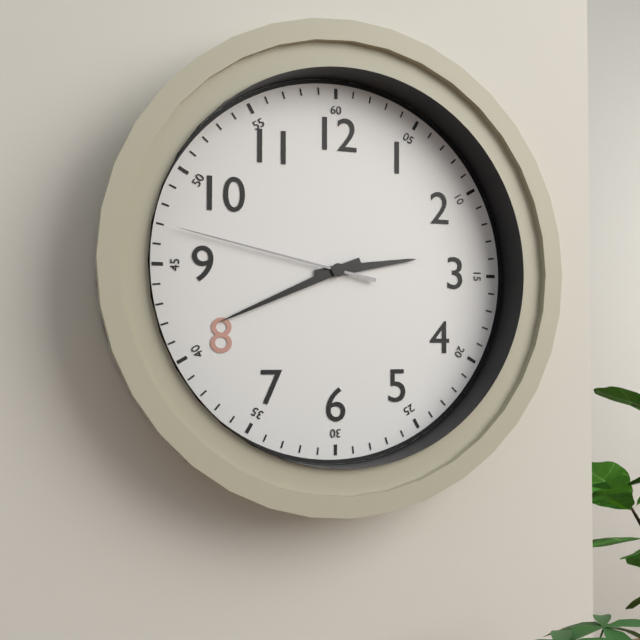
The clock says h=2 m=41 s=47
